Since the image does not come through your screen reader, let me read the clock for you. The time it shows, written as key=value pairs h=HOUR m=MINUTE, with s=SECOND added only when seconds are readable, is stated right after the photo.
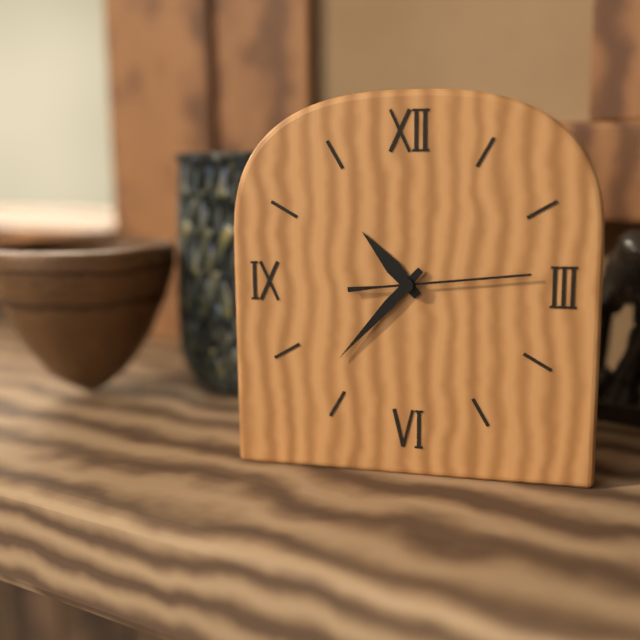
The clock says h=10 m=37 s=14
